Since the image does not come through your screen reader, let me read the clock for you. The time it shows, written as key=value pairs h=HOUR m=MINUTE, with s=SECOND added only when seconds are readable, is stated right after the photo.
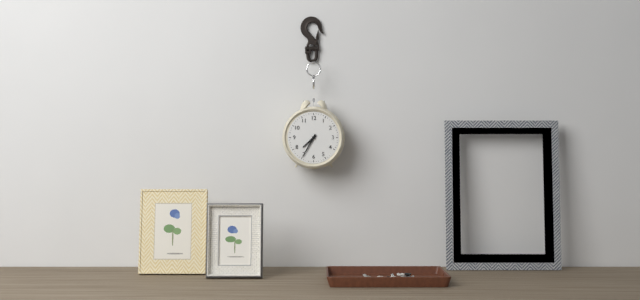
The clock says h=7 m=35
